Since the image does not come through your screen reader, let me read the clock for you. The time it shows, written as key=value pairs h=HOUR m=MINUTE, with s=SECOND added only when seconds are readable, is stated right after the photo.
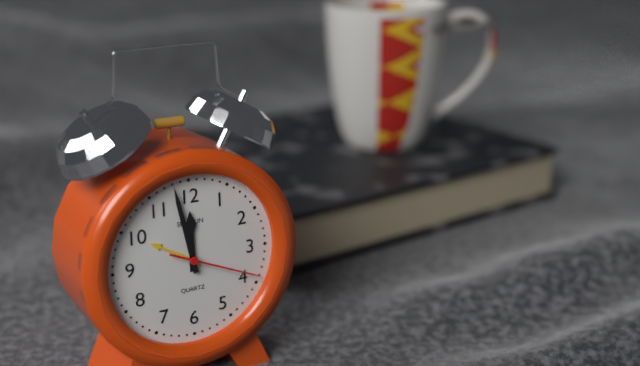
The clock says h=11 m=58 s=19
